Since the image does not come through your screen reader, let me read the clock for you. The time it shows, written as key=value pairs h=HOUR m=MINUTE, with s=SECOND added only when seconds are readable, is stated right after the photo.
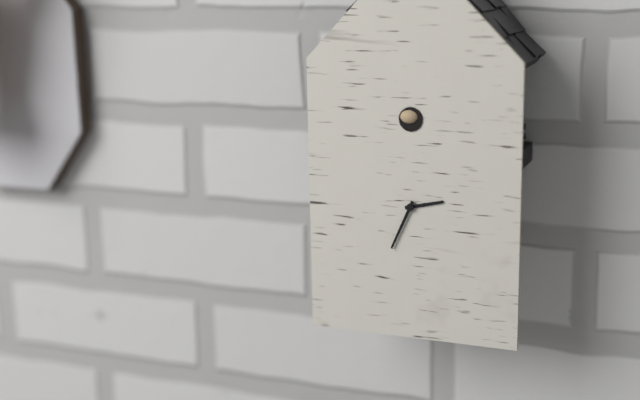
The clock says h=2 m=34
